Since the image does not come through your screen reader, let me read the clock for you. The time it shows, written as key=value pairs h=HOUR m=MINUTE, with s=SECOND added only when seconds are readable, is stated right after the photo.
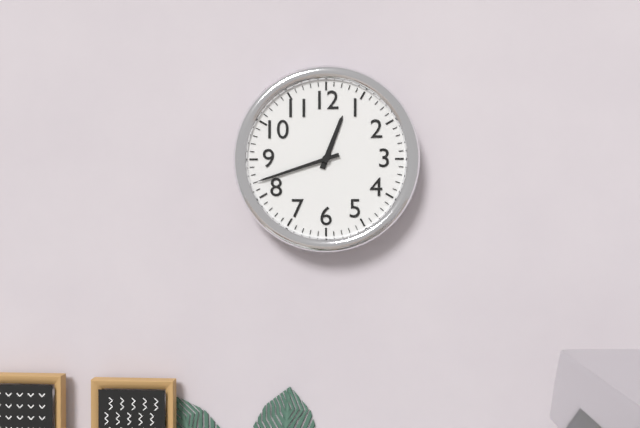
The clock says h=12 m=42
